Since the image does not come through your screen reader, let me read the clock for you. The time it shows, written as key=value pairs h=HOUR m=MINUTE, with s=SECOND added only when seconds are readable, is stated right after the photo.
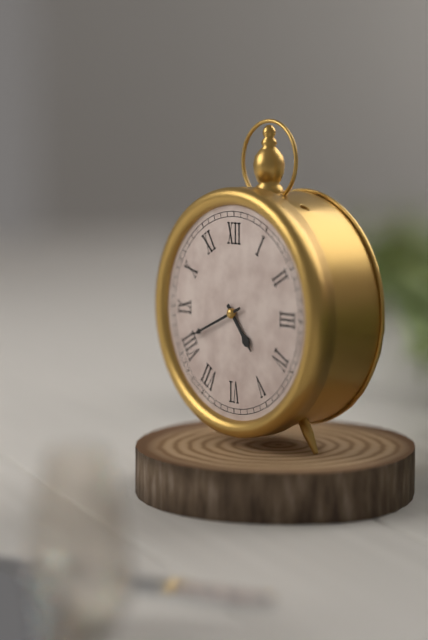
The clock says h=4 m=41
